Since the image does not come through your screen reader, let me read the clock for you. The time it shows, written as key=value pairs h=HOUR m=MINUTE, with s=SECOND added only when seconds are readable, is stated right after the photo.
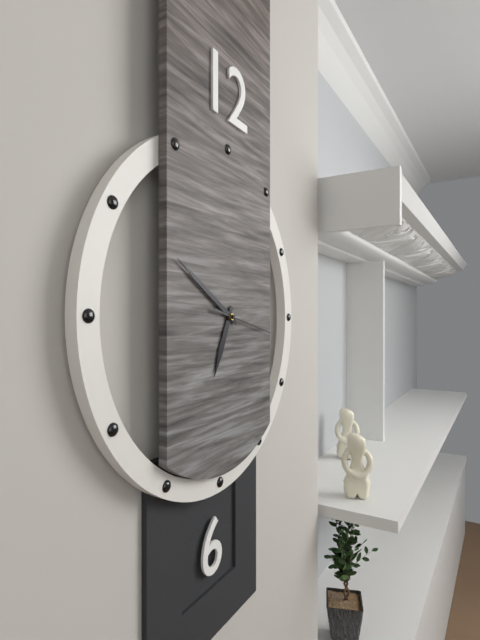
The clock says h=6 m=50 s=17
